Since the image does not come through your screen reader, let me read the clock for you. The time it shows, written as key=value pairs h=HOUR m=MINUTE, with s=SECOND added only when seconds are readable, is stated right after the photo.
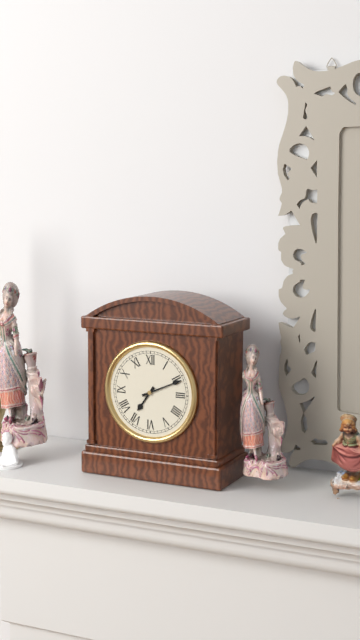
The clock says h=7 m=11
